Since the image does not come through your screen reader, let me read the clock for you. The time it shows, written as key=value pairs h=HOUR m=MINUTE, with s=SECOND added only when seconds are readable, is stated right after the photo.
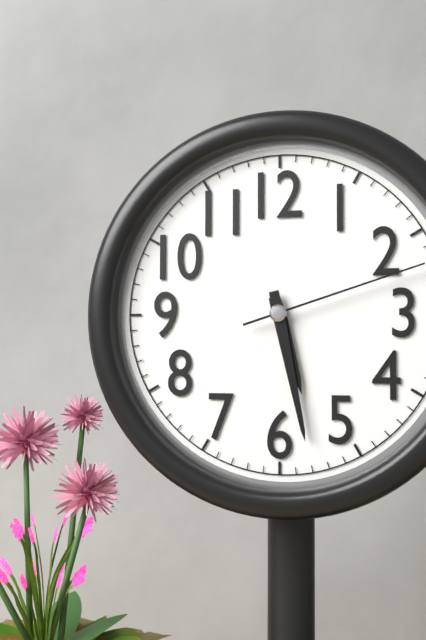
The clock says h=5 m=28 s=12
